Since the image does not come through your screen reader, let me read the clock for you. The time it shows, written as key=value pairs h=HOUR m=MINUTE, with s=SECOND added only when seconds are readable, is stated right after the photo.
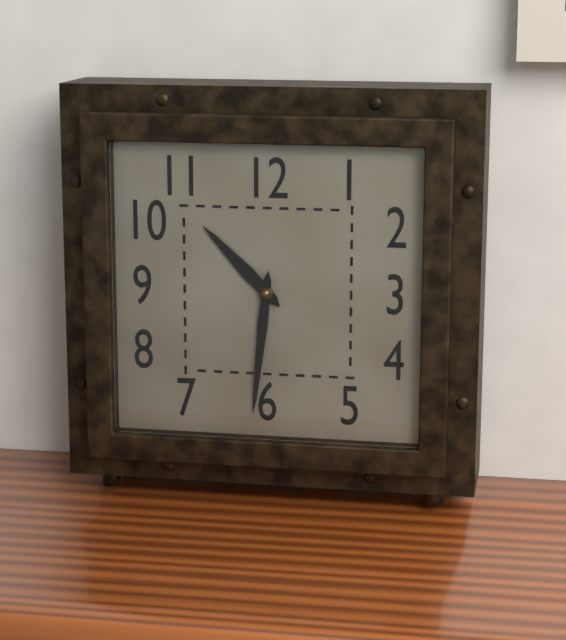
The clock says h=10 m=31
